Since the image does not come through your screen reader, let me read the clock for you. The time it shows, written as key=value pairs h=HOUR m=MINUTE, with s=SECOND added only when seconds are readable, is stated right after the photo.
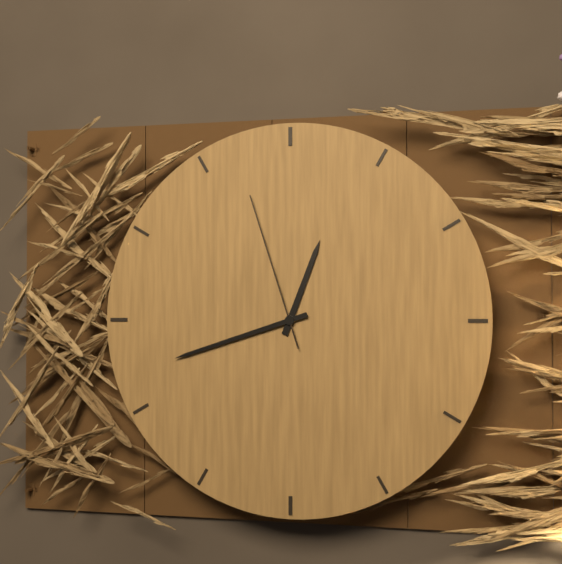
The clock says h=12 m=42 s=57
